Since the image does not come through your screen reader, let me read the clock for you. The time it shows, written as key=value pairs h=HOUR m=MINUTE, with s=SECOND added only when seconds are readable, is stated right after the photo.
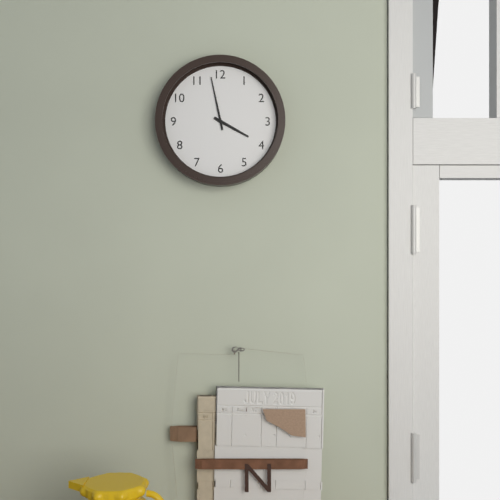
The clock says h=3 m=58
